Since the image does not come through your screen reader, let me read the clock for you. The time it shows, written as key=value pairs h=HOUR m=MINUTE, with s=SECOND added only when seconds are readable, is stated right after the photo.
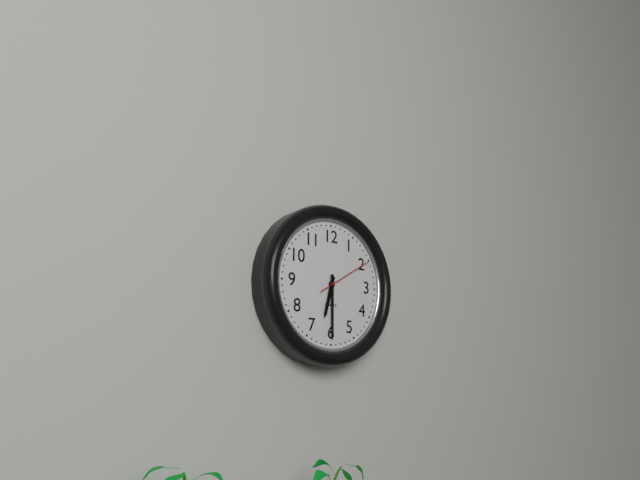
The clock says h=6 m=30 s=10
